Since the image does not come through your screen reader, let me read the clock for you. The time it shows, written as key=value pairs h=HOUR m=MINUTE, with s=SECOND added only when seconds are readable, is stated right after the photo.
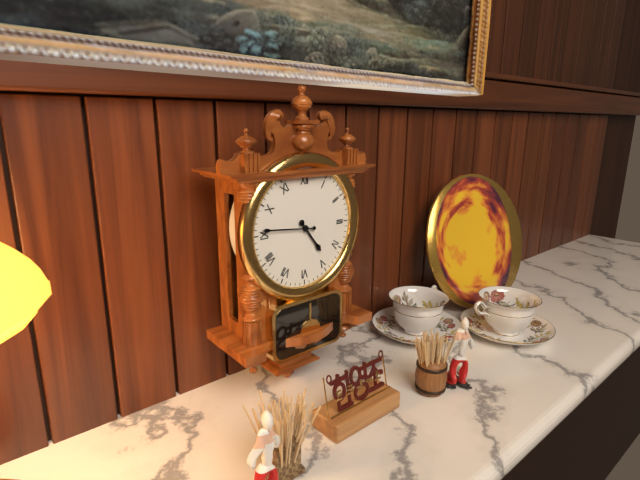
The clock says h=4 m=46
